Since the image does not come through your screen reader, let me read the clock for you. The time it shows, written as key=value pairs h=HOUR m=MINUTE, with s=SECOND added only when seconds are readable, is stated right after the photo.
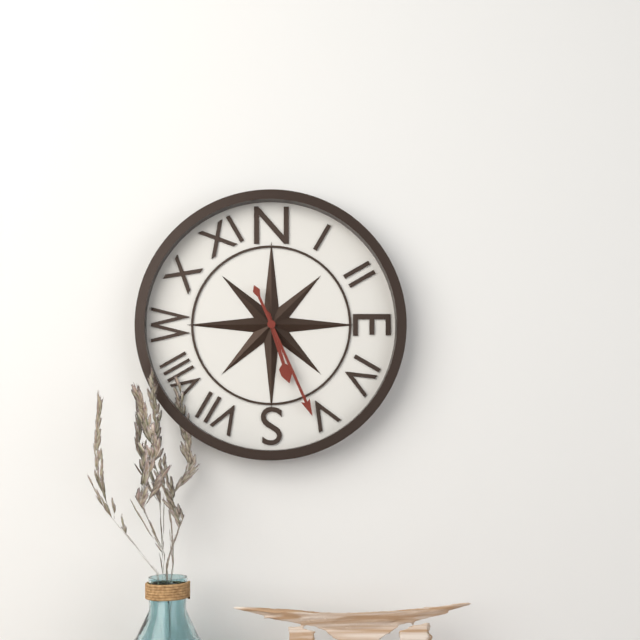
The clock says h=5 m=26
